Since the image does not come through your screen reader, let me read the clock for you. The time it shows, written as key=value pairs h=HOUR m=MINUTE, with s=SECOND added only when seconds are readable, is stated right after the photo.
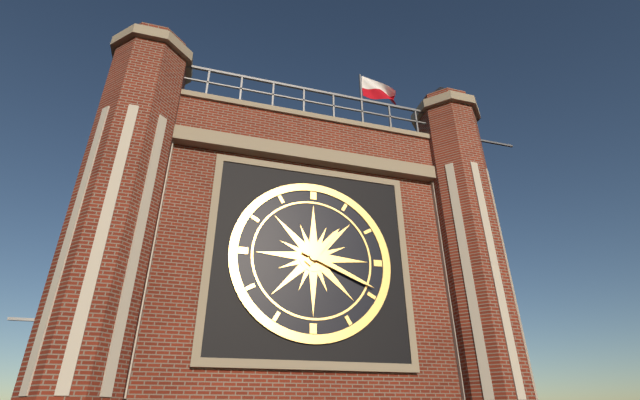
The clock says h=1 m=19
